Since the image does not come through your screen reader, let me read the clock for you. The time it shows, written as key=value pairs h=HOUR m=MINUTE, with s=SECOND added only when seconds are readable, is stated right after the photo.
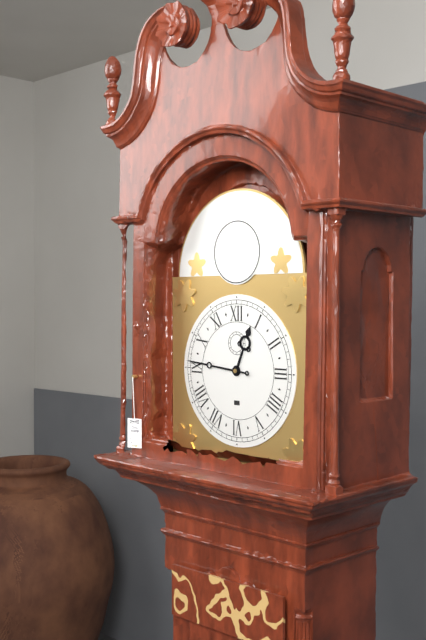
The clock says h=12 m=46
